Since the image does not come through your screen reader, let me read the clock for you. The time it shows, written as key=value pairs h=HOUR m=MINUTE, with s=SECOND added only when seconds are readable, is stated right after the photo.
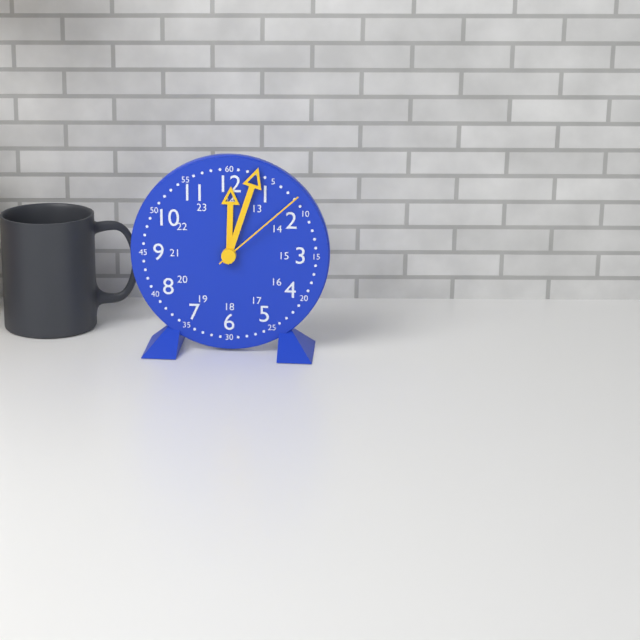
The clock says h=12 m=3 s=8
